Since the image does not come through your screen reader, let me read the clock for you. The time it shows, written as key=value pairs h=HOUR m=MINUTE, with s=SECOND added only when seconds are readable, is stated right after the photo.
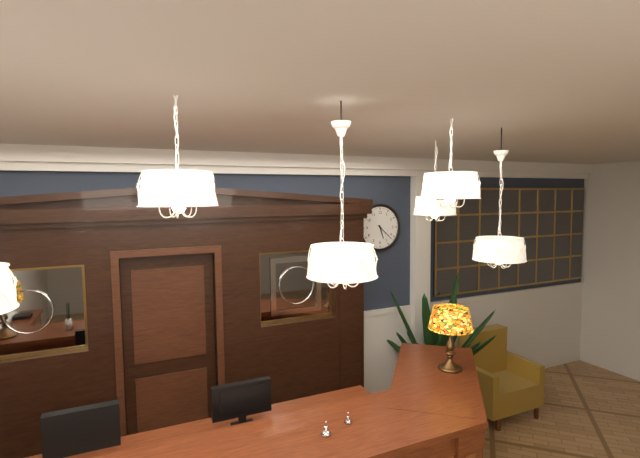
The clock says h=5 m=22
